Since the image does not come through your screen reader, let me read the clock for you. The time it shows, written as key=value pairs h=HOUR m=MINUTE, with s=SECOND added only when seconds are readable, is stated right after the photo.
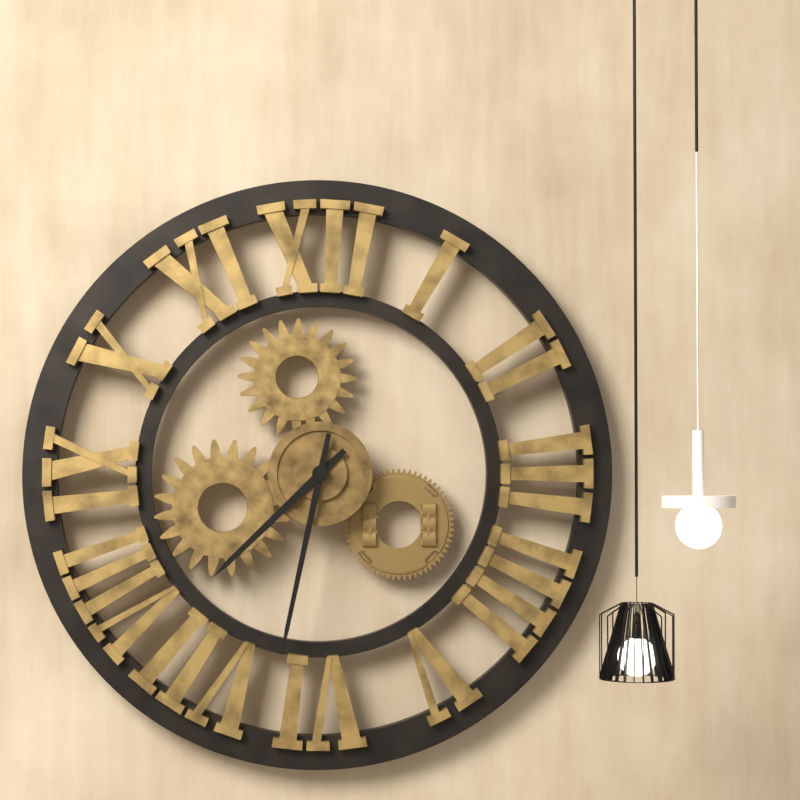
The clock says h=7 m=32
